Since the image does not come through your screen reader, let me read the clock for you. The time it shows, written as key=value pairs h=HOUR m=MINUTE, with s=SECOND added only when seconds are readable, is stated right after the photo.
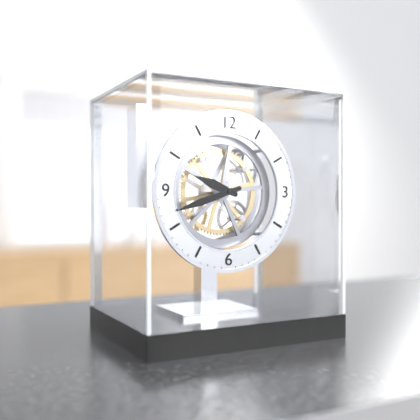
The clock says h=9 m=42
